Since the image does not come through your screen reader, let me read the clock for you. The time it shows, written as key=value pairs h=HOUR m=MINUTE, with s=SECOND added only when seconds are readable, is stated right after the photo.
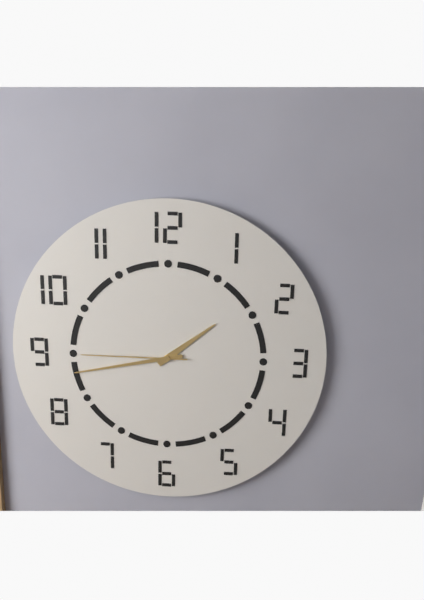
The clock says h=1 m=43 s=45
